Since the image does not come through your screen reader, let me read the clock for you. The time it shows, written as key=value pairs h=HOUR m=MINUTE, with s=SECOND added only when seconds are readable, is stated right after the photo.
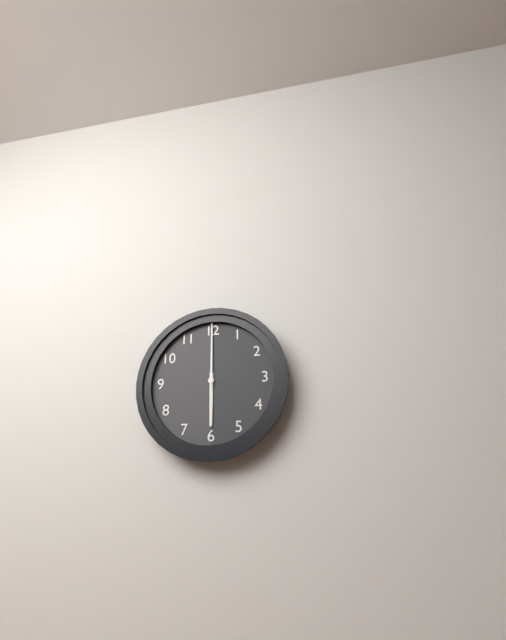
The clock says h=6 m=0
